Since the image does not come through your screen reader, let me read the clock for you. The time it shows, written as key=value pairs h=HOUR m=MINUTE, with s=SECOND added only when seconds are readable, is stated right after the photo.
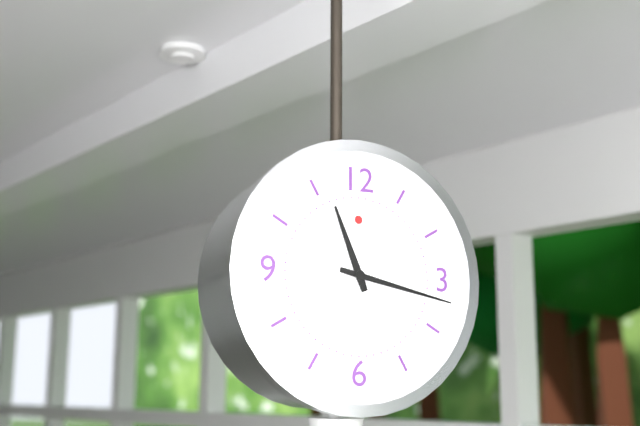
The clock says h=11 m=17
